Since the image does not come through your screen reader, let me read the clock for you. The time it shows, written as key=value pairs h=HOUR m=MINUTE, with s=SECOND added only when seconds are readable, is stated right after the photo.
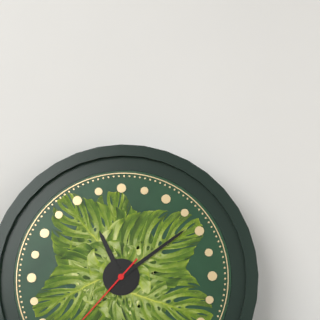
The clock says h=11 m=9
